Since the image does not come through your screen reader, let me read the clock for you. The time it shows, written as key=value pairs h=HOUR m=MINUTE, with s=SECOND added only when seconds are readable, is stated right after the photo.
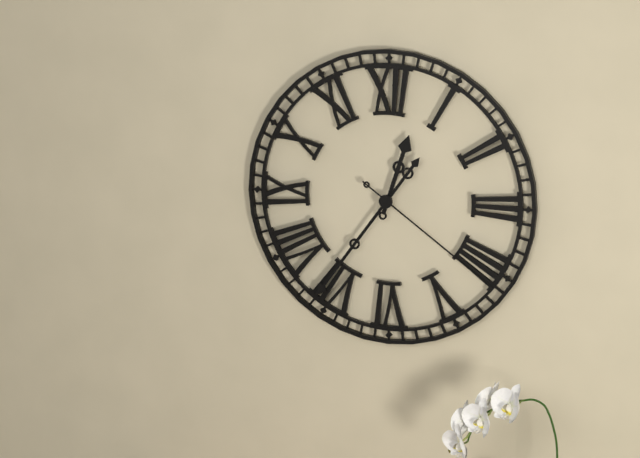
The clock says h=12 m=36 s=21
